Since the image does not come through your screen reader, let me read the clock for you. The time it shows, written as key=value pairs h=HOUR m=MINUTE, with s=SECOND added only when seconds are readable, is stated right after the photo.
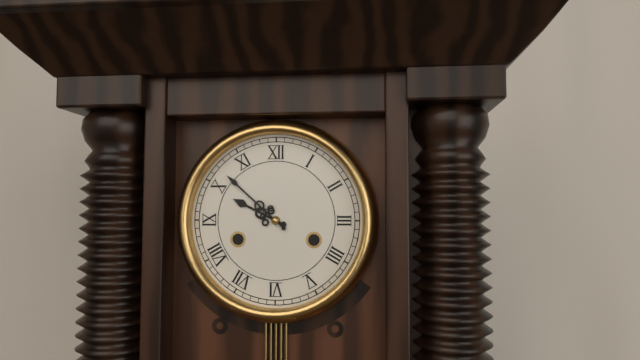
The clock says h=9 m=52
